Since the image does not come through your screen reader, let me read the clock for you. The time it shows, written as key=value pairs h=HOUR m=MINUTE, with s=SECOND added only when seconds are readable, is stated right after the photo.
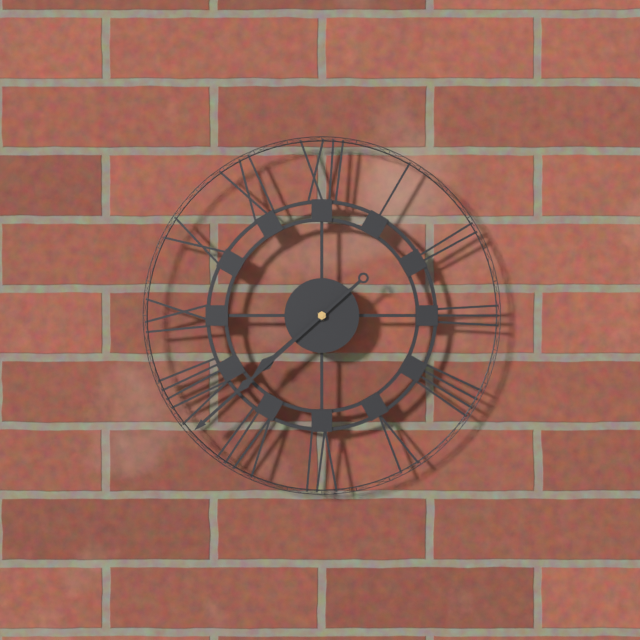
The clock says h=7 m=38
